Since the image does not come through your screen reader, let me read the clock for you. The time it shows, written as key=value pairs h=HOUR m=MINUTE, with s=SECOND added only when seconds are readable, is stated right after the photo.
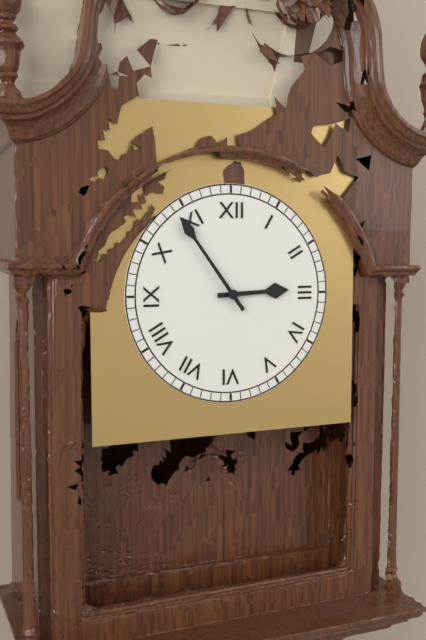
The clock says h=2 m=54
